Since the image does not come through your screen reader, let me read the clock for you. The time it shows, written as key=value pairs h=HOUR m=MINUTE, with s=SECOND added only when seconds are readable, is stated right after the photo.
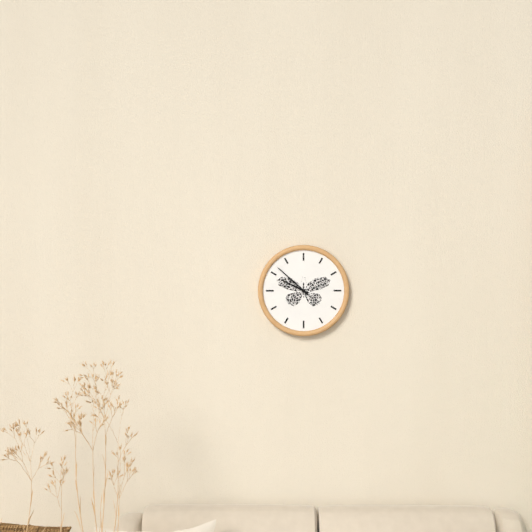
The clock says h=9 m=52
